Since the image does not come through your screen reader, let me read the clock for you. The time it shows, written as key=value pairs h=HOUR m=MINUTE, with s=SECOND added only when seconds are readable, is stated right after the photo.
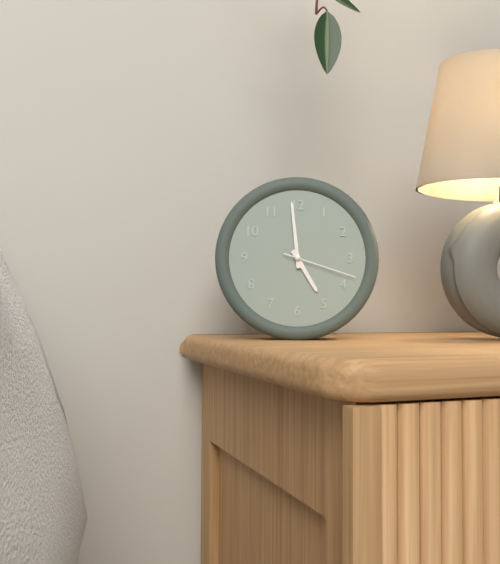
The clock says h=4 m=59 s=18
